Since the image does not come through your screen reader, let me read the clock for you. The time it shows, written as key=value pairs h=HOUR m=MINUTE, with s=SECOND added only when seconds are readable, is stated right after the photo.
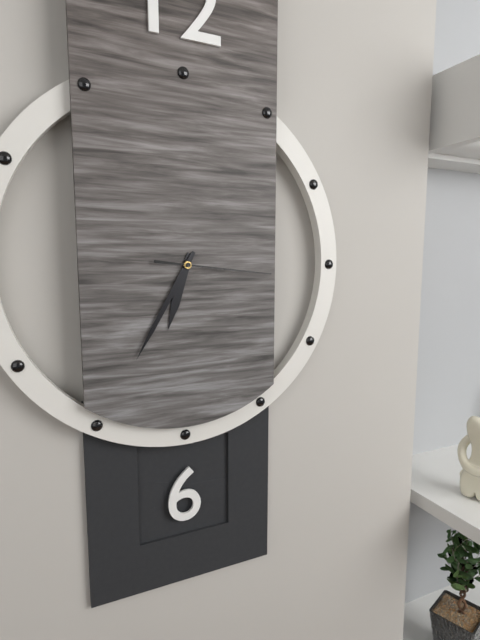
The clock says h=6 m=35 s=16
